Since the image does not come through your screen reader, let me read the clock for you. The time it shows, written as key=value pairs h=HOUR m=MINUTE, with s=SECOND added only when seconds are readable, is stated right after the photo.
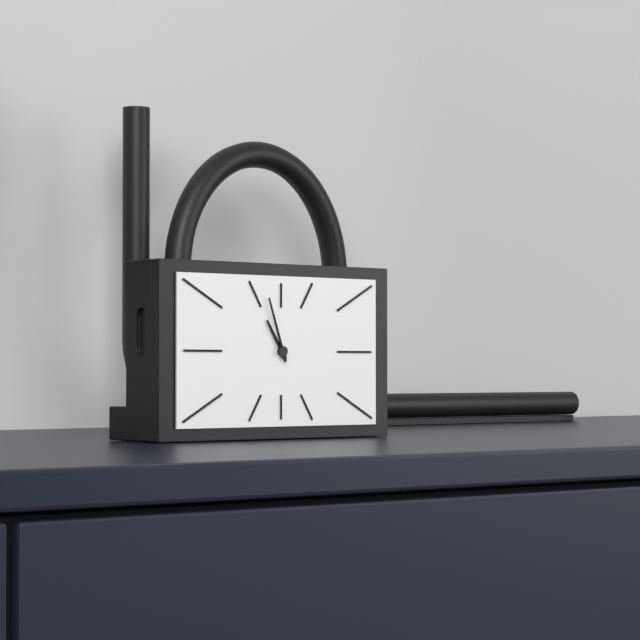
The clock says h=10 m=57
